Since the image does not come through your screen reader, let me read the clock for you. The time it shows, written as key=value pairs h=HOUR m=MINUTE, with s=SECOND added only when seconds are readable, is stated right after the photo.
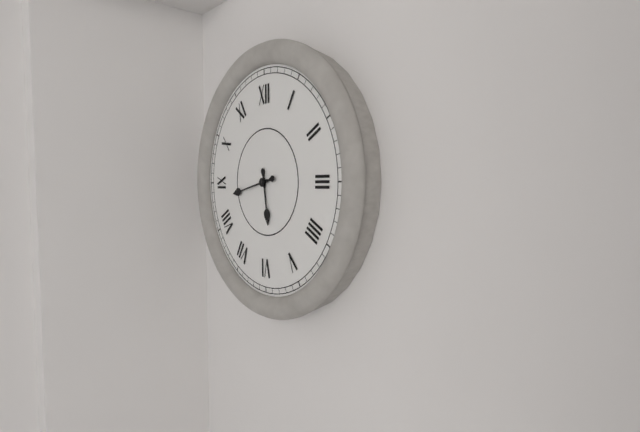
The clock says h=5 m=43
